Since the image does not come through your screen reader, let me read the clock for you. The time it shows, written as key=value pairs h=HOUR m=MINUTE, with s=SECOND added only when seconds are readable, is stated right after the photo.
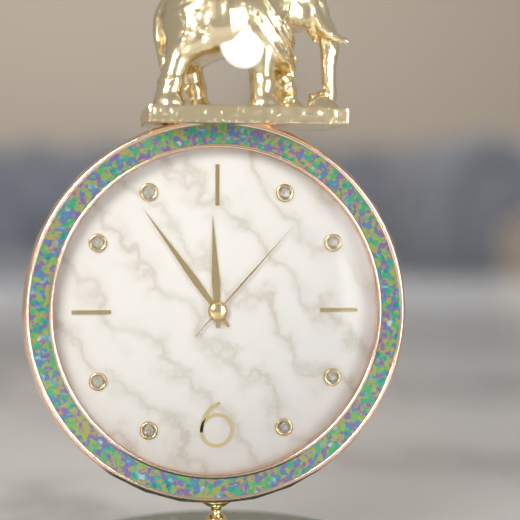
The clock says h=11 m=54 s=7
